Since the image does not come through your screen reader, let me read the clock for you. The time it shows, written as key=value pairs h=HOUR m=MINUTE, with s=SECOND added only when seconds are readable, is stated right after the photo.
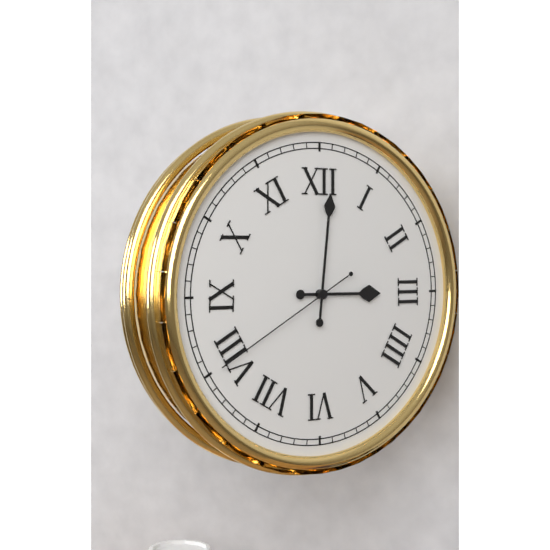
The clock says h=3 m=1 s=40
